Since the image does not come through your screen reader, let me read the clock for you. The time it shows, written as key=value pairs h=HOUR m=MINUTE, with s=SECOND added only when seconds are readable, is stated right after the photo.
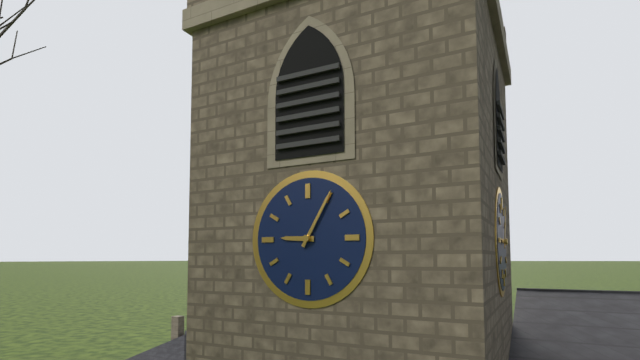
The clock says h=9 m=5
